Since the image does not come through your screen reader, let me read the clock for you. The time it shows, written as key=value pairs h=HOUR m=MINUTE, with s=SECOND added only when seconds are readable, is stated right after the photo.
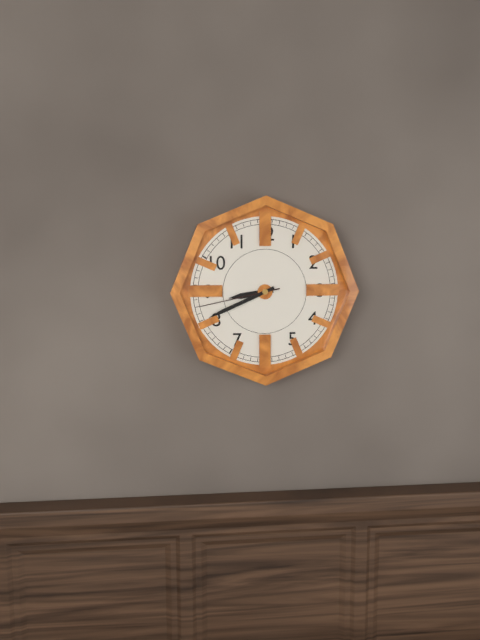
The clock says h=8 m=41 s=43
